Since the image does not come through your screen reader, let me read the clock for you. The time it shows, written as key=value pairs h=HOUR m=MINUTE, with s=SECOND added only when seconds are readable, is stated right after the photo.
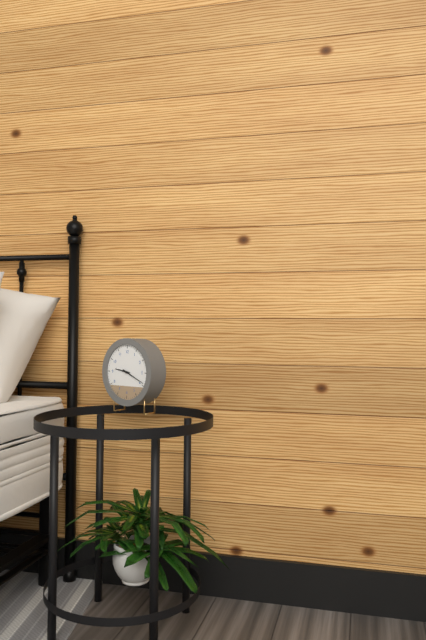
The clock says h=9 m=19
